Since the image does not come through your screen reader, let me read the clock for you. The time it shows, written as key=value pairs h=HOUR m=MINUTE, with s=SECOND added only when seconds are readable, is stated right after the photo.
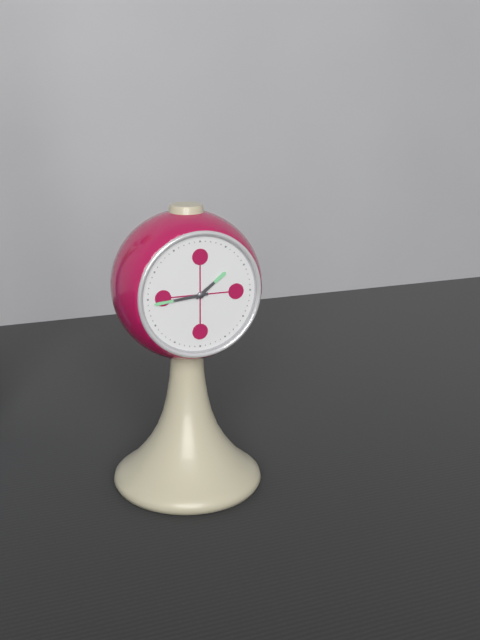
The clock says h=1 m=44
